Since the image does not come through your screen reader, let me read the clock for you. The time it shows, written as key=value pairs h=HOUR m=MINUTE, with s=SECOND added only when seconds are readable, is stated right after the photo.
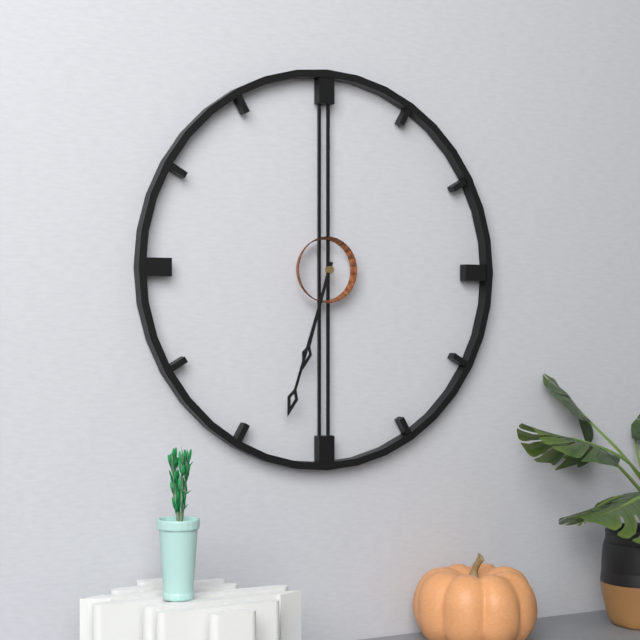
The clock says h=6 m=33
